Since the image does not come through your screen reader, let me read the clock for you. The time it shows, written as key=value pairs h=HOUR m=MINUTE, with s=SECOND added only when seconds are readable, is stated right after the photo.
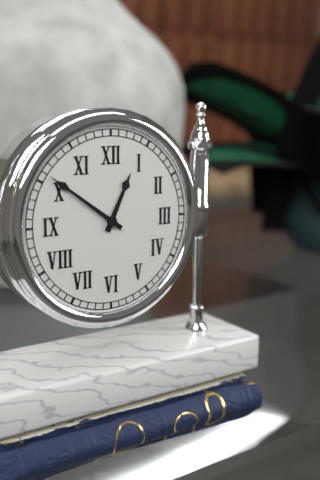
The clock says h=12 m=51
